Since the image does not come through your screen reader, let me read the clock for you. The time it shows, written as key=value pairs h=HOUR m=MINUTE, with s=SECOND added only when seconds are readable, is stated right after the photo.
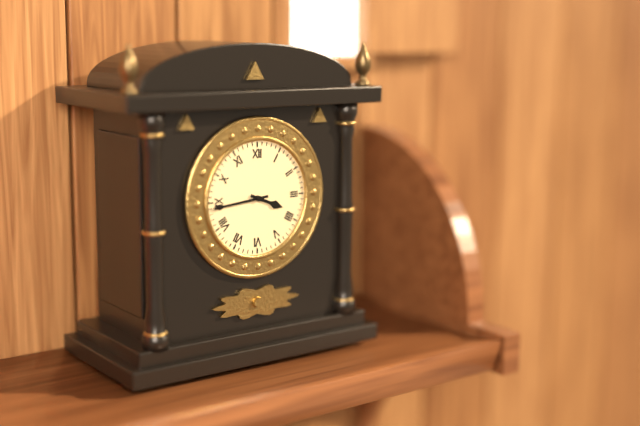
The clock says h=3 m=44
